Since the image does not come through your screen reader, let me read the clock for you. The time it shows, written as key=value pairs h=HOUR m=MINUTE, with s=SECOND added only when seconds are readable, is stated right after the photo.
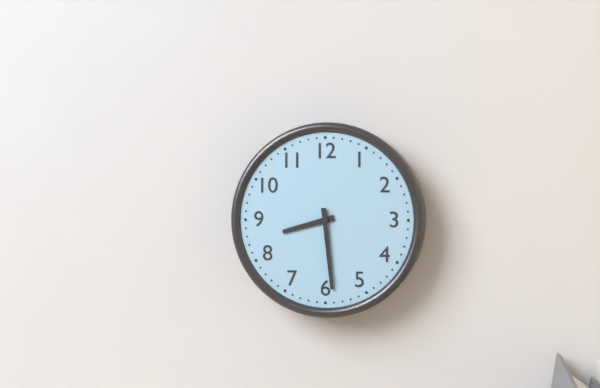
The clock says h=8 m=29
